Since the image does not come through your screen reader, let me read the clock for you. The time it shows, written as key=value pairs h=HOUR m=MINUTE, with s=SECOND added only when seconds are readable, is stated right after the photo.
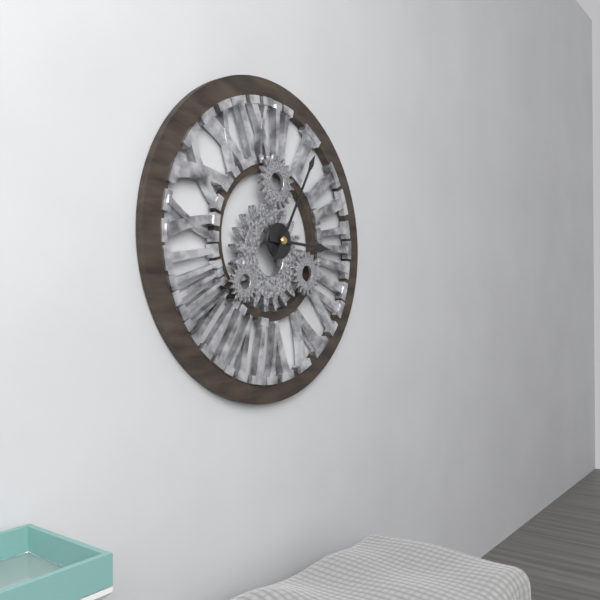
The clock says h=3 m=5
